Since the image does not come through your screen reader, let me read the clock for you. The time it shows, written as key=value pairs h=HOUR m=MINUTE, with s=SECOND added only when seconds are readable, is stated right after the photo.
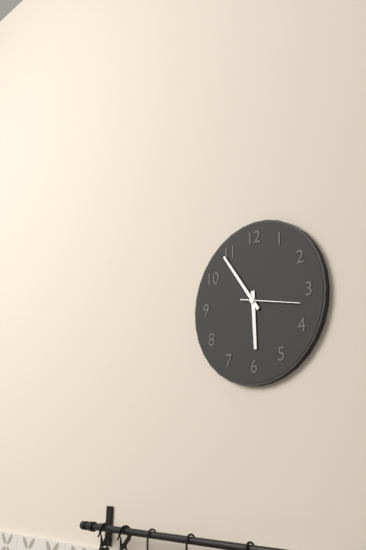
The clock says h=5 m=54 s=17
